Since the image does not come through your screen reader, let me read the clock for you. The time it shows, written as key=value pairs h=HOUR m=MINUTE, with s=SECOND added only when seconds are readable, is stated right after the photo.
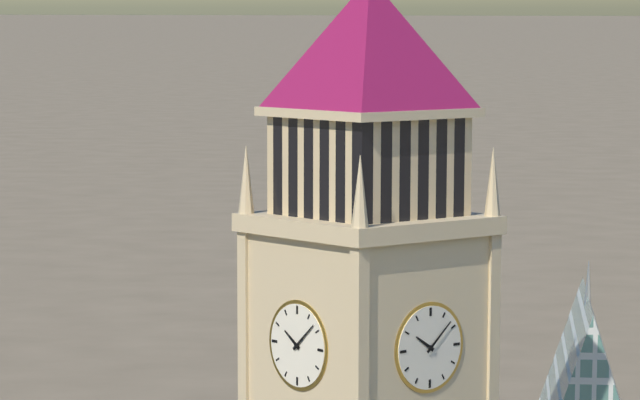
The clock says h=10 m=8
